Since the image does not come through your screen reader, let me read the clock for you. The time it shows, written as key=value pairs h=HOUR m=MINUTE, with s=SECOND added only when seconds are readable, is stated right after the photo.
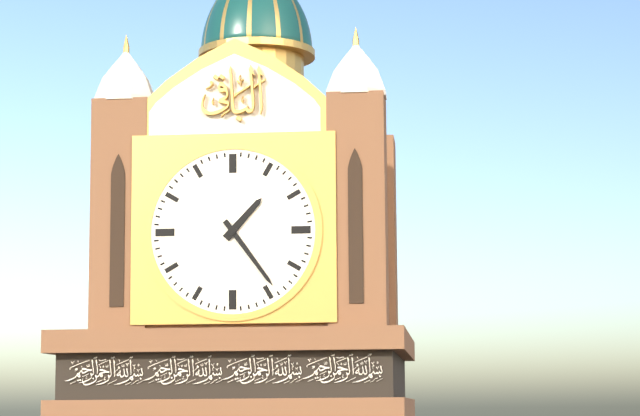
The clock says h=1 m=24
